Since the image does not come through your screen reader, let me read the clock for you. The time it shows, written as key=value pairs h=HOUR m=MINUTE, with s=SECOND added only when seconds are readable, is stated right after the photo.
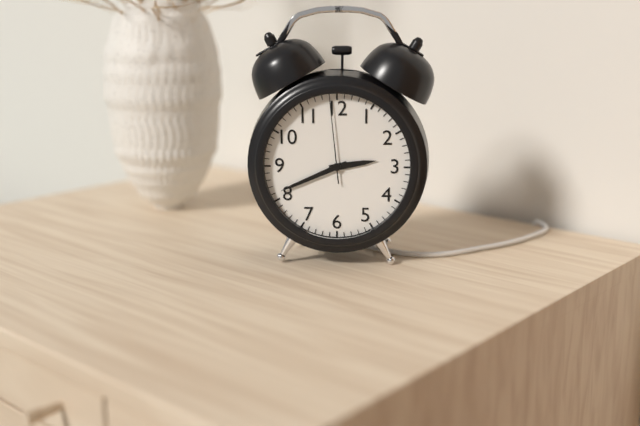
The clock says h=2 m=41 s=59
